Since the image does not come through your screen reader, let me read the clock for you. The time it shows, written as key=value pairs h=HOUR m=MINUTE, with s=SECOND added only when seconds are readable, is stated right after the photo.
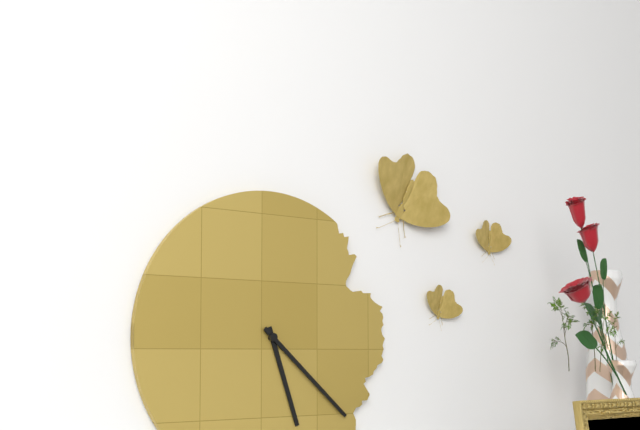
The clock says h=5 m=22
